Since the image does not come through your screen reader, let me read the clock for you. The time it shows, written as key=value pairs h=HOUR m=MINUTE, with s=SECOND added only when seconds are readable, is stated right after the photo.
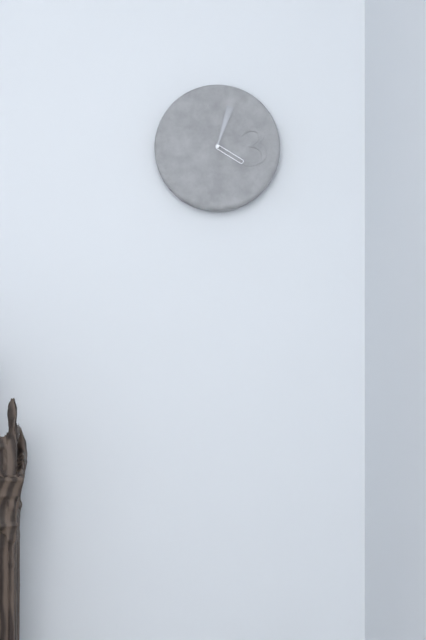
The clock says h=4 m=3
